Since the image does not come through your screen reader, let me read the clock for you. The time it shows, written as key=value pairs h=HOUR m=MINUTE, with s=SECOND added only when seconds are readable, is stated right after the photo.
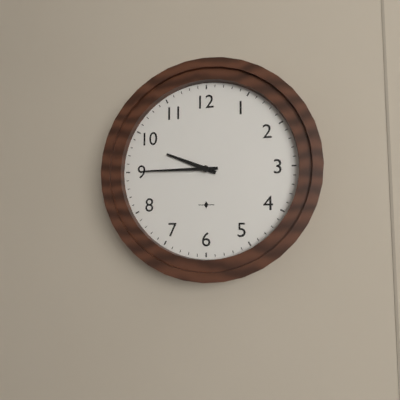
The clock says h=9 m=45
